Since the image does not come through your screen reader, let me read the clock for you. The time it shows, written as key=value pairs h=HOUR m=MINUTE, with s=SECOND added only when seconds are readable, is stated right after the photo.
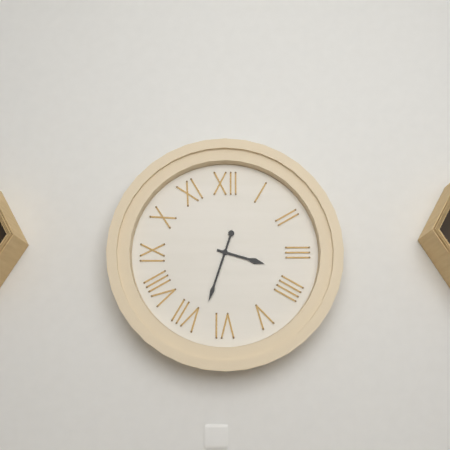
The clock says h=3 m=33
